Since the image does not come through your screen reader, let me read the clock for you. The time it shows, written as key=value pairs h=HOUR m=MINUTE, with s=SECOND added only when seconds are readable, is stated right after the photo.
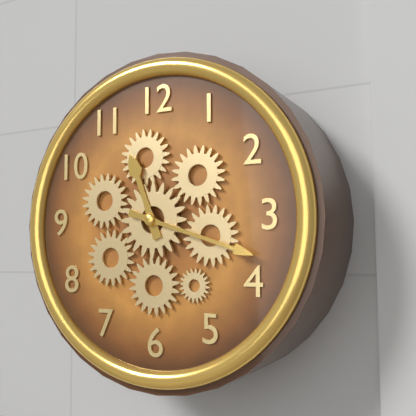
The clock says h=11 m=18
